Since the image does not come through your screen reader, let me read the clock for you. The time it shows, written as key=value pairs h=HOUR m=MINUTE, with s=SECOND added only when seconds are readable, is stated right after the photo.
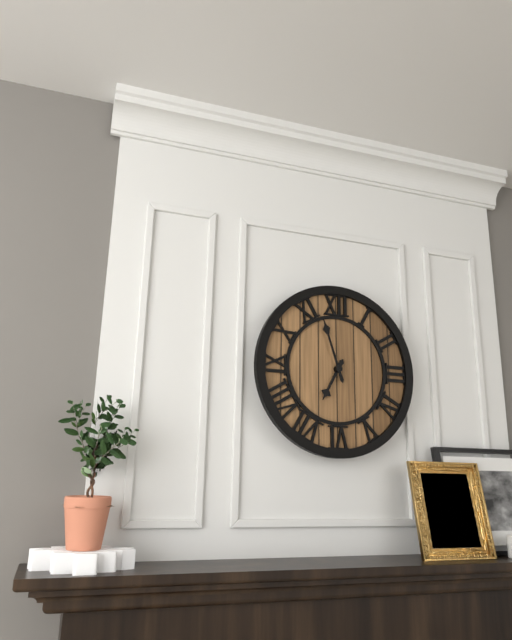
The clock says h=6 m=57
